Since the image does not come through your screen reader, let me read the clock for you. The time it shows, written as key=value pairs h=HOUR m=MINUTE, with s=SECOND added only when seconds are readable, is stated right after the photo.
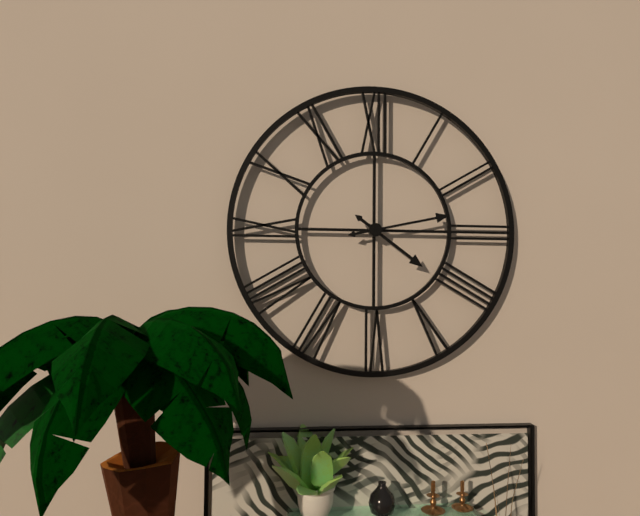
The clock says h=4 m=13
